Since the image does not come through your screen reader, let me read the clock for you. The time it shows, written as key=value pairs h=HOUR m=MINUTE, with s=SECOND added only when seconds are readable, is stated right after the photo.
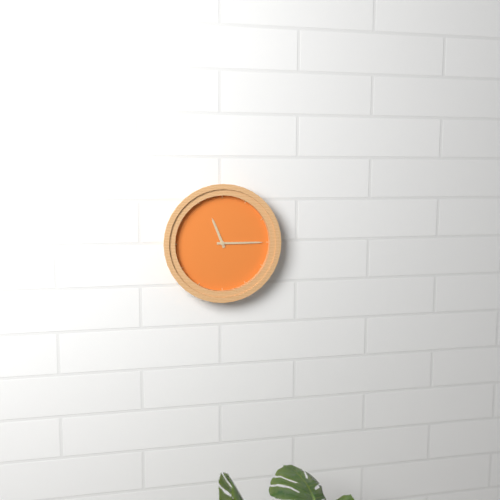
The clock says h=11 m=15
